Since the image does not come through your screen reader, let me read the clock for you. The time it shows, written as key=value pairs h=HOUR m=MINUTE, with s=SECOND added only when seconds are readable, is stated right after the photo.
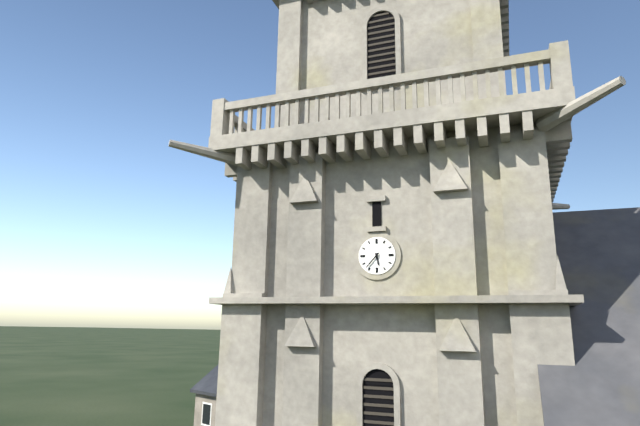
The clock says h=5 m=37
